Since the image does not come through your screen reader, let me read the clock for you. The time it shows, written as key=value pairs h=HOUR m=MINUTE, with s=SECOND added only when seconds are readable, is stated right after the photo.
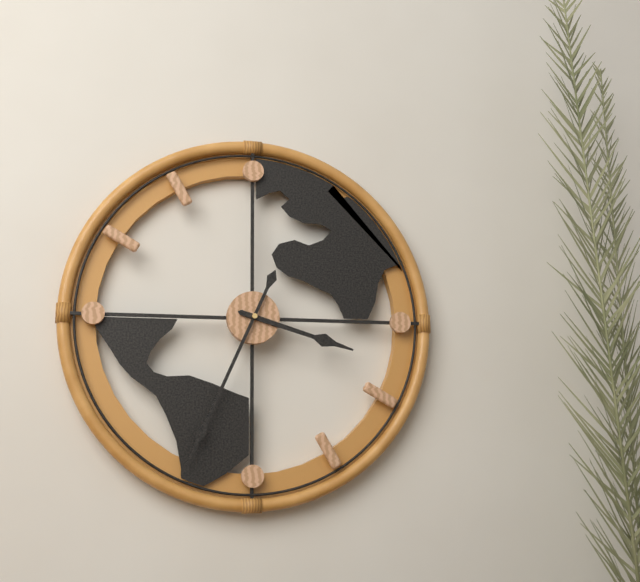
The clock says h=3 m=34
